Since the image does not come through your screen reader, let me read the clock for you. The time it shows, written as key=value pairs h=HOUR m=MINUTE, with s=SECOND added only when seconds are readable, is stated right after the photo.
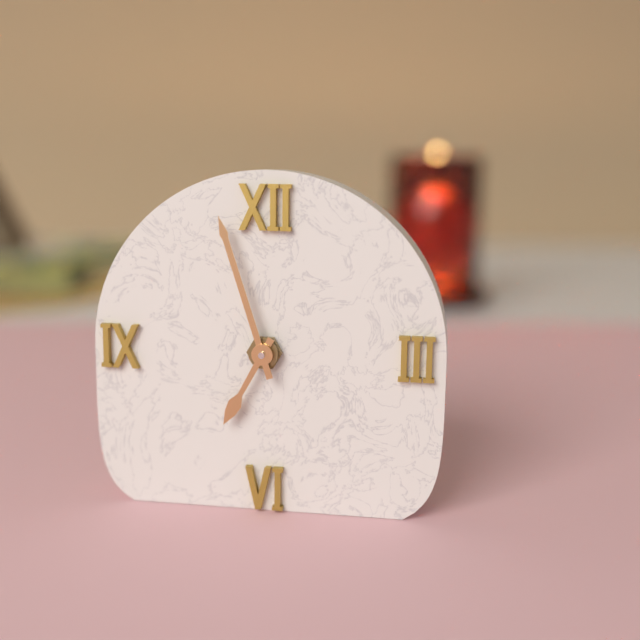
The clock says h=6 m=57
